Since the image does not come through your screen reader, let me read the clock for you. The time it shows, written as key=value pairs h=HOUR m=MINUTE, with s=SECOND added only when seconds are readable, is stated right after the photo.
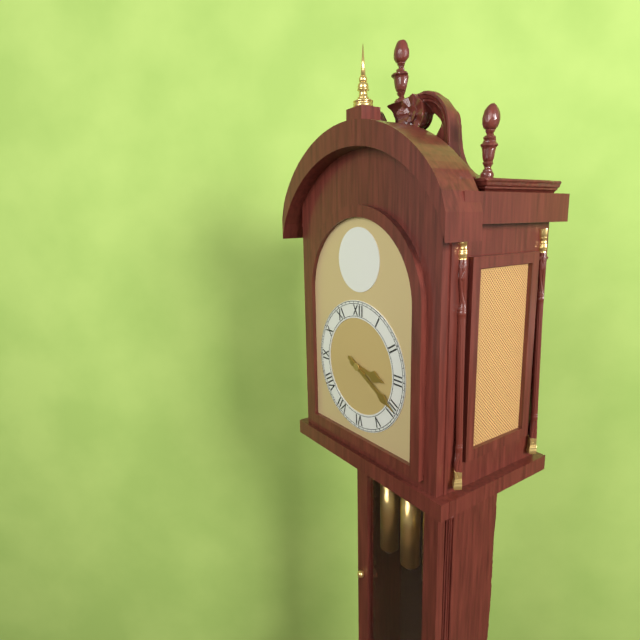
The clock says h=3 m=20
